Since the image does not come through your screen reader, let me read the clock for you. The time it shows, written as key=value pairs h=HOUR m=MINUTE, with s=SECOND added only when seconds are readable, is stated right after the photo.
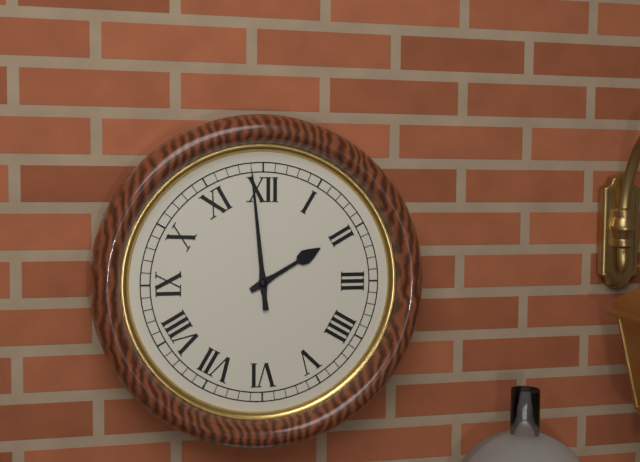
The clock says h=1 m=59
